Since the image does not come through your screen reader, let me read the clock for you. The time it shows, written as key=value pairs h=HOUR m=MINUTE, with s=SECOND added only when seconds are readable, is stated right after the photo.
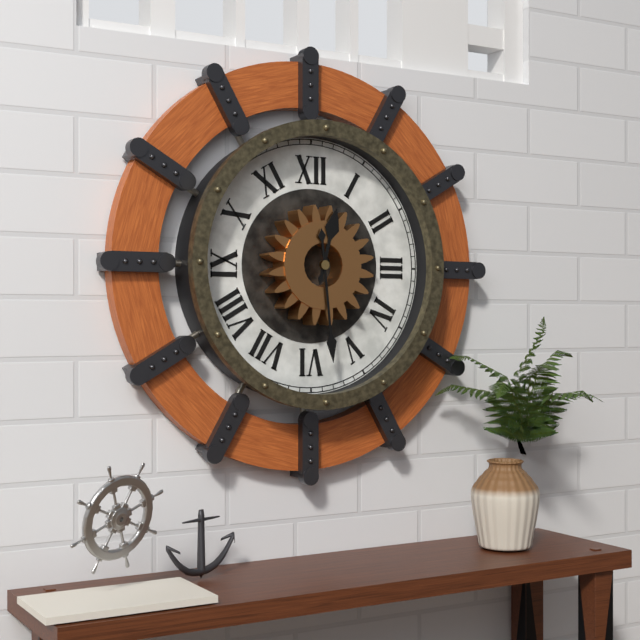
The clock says h=12 m=29
